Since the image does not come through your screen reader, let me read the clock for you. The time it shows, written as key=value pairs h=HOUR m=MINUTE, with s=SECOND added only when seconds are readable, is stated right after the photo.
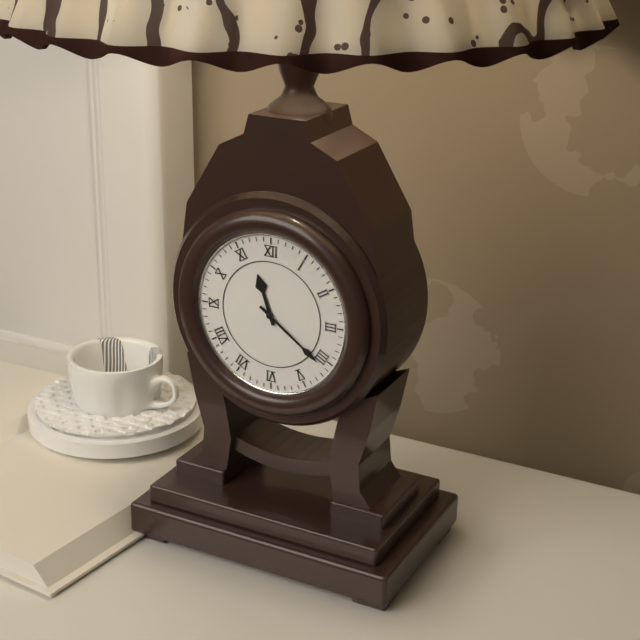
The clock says h=11 m=21
